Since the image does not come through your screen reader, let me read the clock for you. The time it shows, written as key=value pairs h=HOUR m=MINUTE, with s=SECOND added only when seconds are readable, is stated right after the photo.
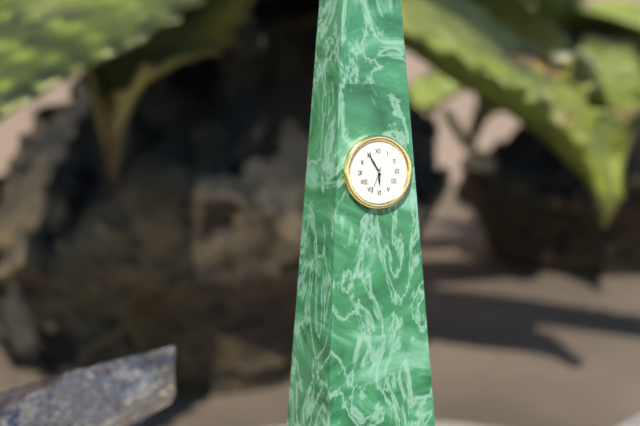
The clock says h=5 m=55
